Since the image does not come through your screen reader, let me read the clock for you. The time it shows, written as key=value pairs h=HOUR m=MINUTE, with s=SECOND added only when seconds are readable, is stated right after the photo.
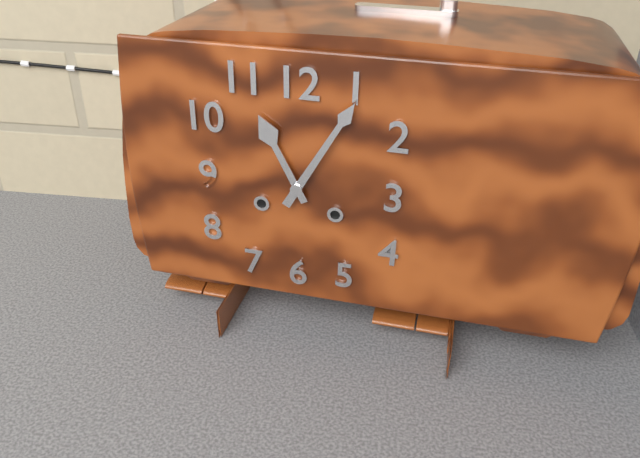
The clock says h=11 m=5
